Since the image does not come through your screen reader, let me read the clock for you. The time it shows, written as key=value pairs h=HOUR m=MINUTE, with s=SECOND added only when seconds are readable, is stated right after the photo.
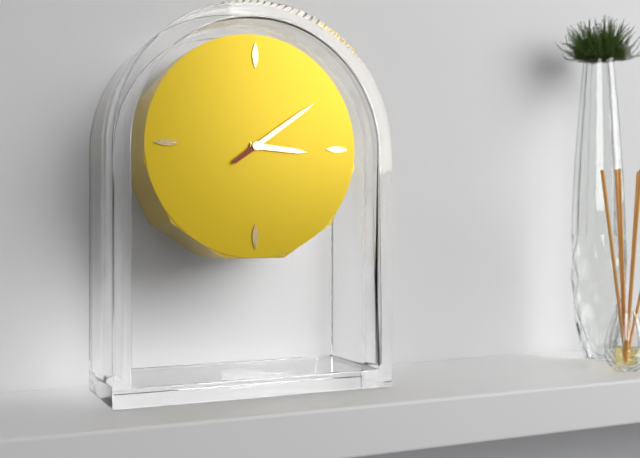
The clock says h=3 m=9
